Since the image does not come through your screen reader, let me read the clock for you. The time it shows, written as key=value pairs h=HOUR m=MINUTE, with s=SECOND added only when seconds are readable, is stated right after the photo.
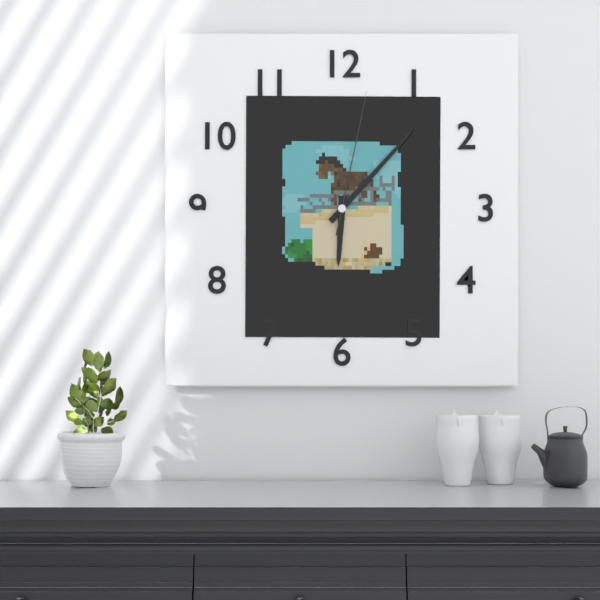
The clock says h=6 m=7 s=2
